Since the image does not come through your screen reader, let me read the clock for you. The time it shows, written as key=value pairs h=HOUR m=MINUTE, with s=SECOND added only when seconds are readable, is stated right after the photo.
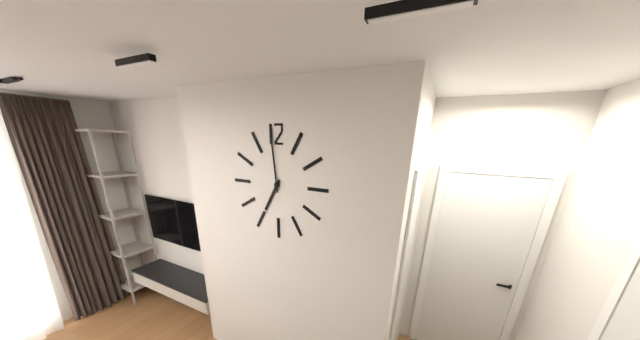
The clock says h=6 m=59
